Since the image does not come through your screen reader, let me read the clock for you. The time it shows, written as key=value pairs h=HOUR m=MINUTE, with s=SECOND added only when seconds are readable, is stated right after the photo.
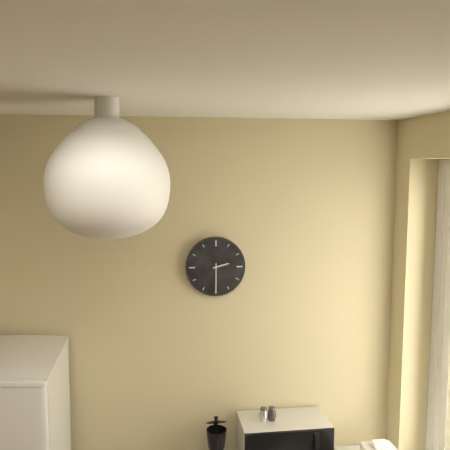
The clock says h=2 m=30
